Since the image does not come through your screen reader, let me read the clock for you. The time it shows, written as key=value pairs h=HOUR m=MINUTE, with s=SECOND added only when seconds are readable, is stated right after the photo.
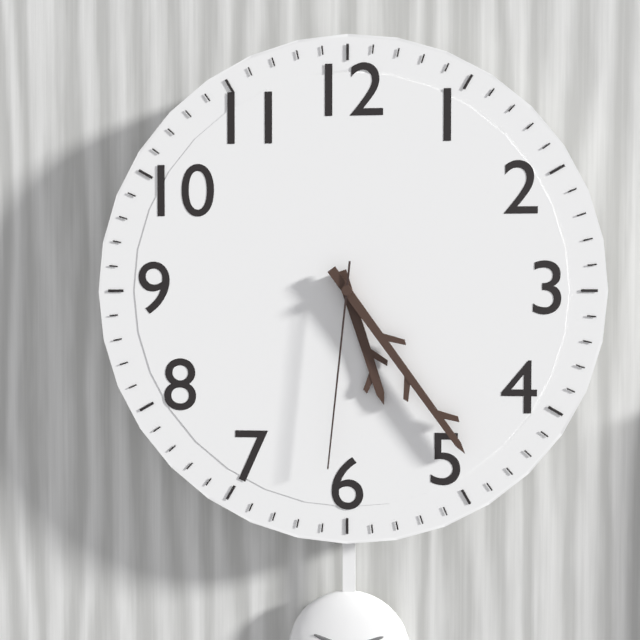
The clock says h=5 m=24 s=31
